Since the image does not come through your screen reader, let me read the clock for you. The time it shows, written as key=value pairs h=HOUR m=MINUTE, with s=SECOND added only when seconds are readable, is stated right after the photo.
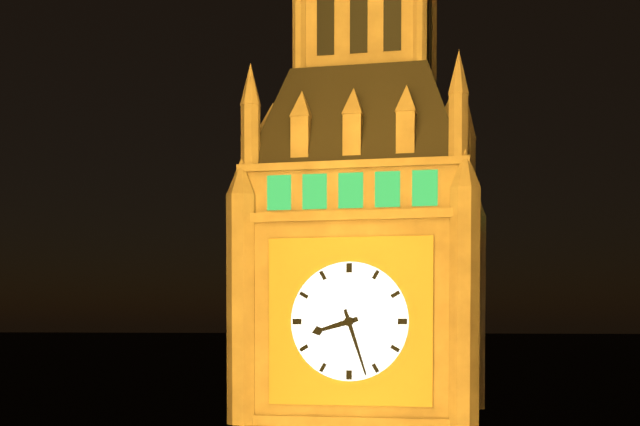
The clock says h=8 m=27
